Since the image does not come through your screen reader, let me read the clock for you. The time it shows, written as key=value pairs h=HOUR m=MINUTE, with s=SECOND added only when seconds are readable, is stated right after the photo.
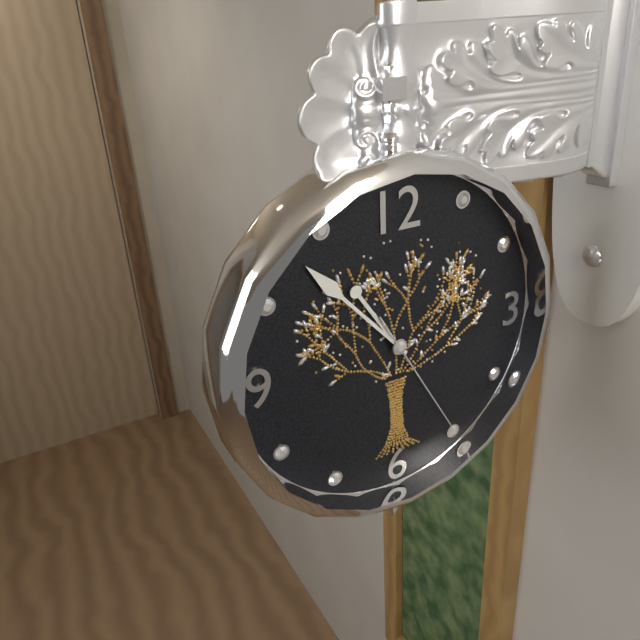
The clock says h=10 m=53 s=25
